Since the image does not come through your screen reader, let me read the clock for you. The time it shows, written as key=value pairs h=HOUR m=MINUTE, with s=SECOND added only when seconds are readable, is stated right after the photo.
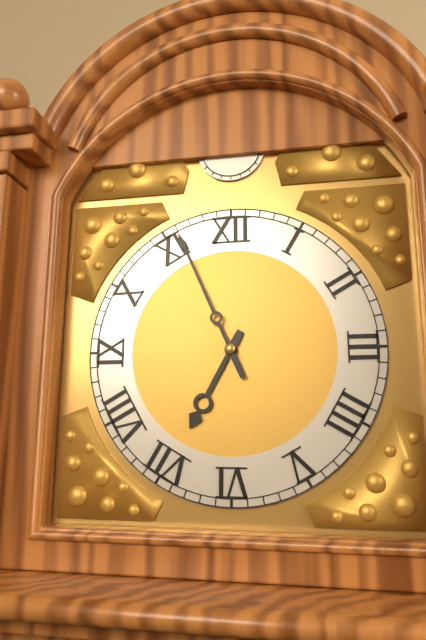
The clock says h=6 m=56
